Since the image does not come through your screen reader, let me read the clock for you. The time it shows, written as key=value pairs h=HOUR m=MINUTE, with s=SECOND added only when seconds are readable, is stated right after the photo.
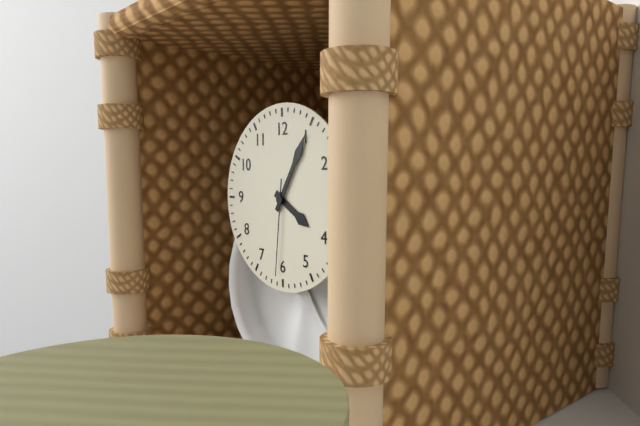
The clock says h=4 m=5 s=31
